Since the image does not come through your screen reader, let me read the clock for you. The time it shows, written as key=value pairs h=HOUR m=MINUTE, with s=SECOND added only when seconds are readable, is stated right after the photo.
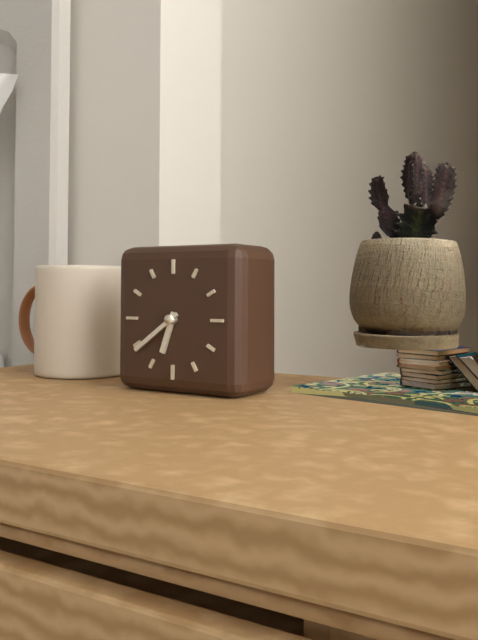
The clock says h=6 m=39
